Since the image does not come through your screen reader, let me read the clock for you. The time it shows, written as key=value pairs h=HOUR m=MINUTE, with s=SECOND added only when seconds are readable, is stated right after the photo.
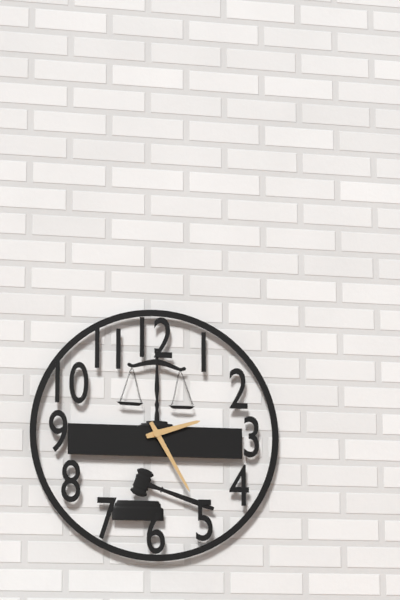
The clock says h=2 m=25
